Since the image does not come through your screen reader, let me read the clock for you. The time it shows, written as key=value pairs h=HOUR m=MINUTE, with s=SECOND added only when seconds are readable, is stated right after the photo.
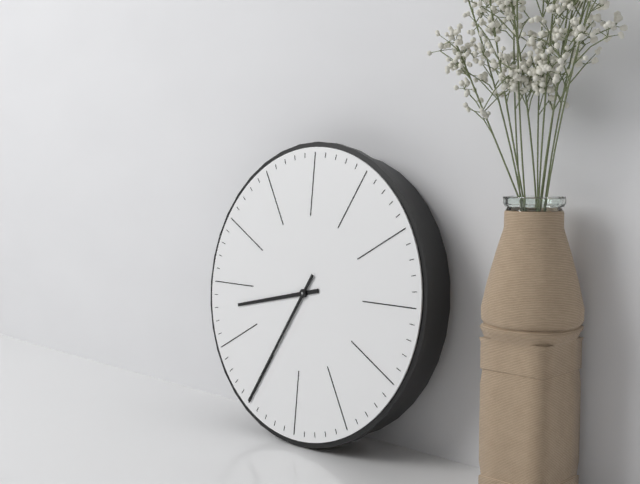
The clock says h=8 m=35
